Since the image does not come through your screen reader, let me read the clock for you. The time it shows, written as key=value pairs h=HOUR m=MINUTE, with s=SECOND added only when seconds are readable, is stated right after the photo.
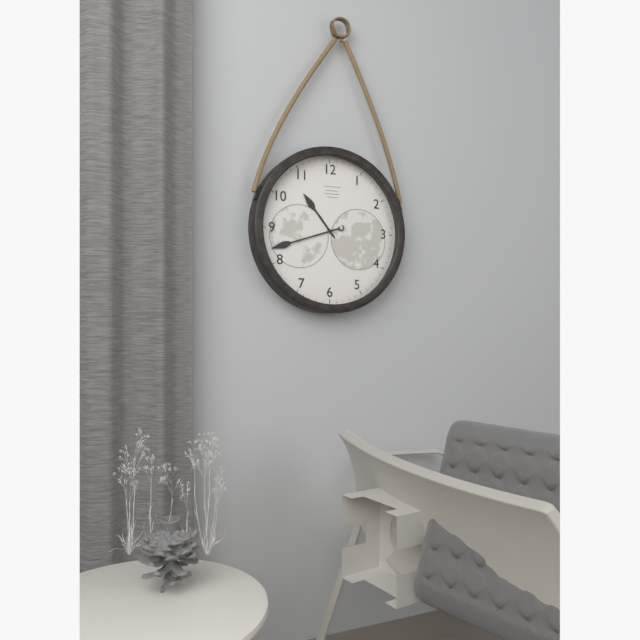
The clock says h=10 m=42
